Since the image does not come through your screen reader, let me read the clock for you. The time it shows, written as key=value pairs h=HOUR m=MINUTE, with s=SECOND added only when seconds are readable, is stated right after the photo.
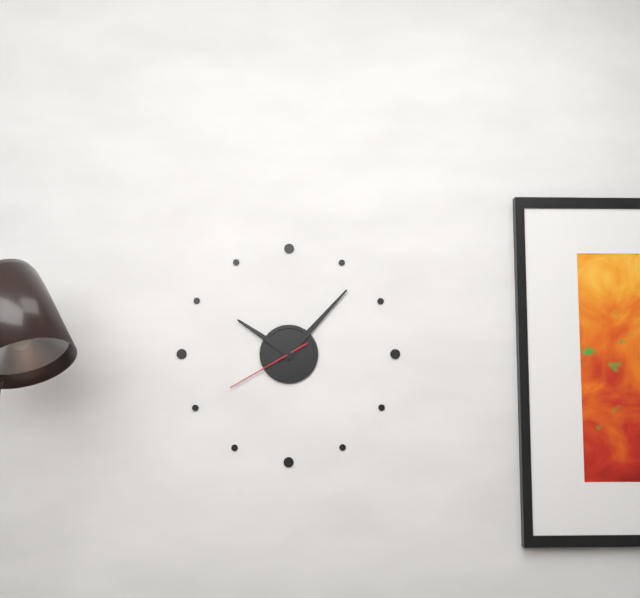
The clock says h=10 m=7 s=40
